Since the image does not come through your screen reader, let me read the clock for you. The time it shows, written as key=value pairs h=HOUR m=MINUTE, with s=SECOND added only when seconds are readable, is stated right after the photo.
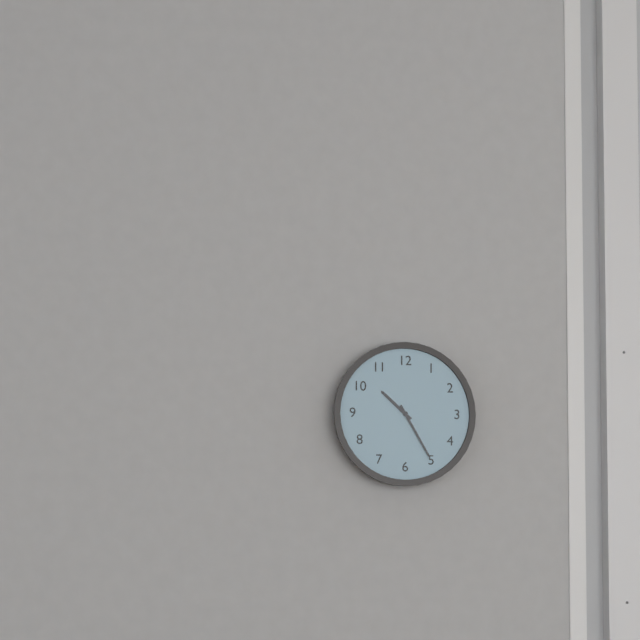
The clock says h=10 m=25
